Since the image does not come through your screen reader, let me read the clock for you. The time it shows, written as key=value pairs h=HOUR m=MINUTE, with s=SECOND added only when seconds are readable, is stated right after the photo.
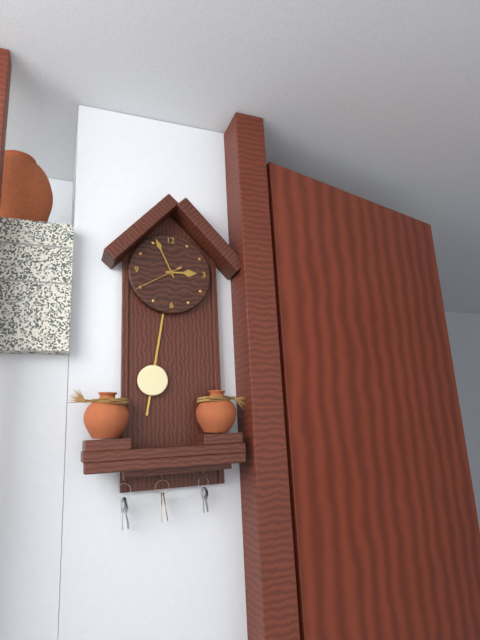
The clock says h=2 m=56
